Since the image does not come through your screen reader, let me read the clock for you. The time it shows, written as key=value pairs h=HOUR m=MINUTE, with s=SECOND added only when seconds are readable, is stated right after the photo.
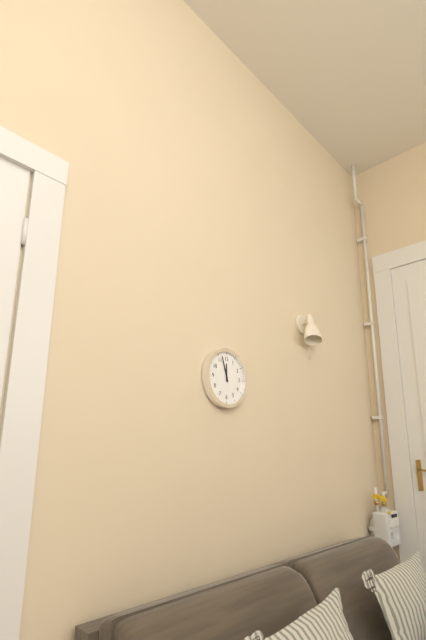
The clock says h=11 m=57
